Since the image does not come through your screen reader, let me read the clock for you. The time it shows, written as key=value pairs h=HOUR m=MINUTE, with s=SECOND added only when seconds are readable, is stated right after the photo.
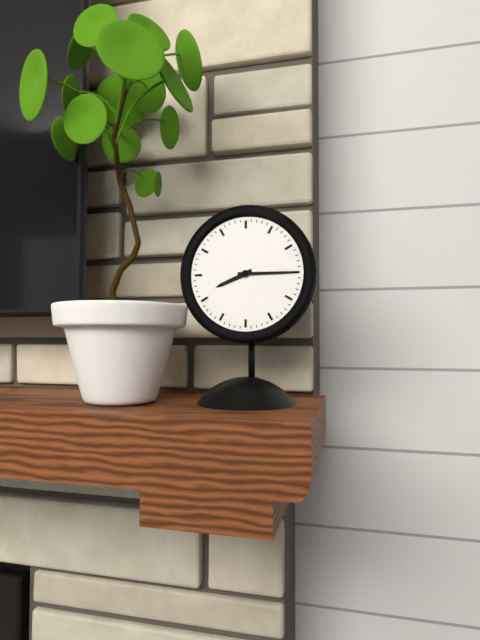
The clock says h=8 m=15
